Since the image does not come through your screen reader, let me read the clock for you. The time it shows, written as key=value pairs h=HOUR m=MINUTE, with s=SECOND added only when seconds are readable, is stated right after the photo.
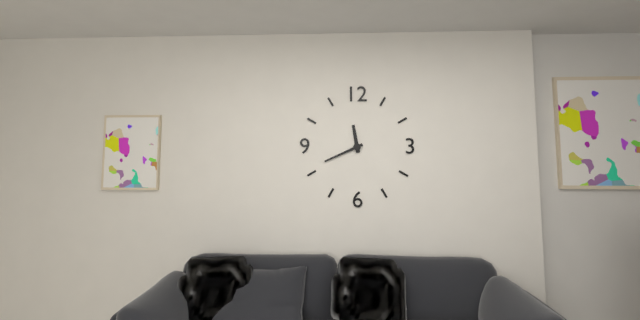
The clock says h=11 m=41
